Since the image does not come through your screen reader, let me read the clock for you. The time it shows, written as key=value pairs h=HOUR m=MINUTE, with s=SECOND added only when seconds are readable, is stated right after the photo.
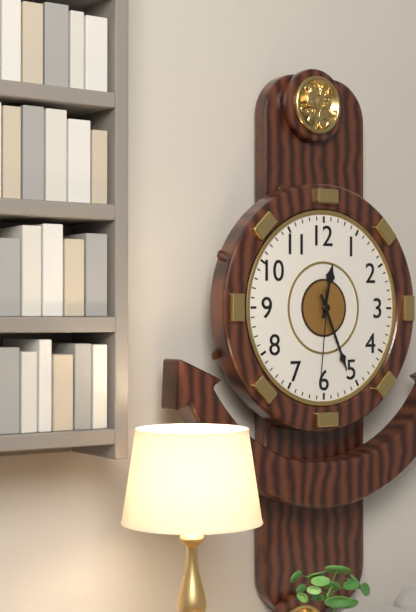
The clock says h=12 m=26 s=31
